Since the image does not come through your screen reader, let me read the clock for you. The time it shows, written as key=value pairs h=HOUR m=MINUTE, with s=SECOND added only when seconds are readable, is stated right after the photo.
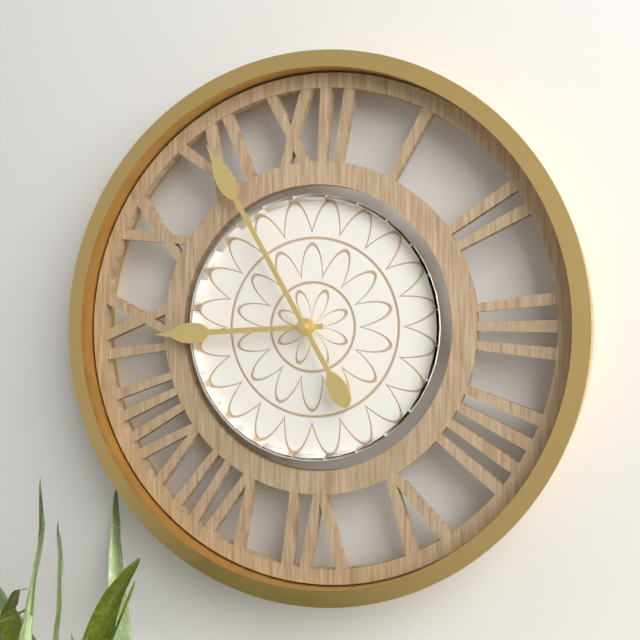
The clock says h=8 m=55
